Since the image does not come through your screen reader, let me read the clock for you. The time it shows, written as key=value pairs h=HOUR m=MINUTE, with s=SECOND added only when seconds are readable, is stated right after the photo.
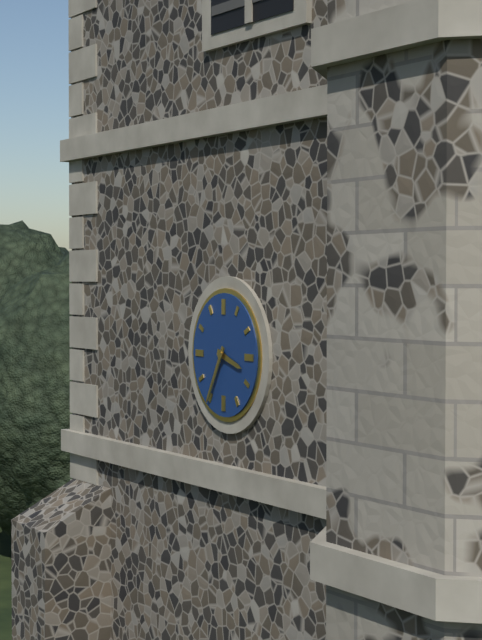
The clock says h=3 m=35
